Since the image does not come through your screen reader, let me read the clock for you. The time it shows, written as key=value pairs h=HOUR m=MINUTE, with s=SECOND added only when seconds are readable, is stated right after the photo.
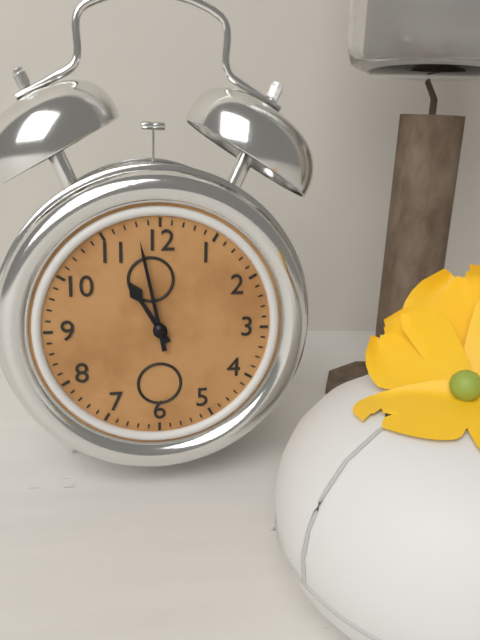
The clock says h=10 m=58
